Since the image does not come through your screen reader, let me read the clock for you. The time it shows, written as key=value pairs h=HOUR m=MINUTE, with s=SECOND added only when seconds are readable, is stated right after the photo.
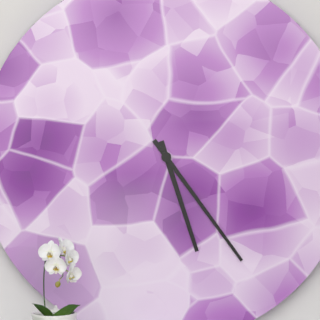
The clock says h=5 m=24
